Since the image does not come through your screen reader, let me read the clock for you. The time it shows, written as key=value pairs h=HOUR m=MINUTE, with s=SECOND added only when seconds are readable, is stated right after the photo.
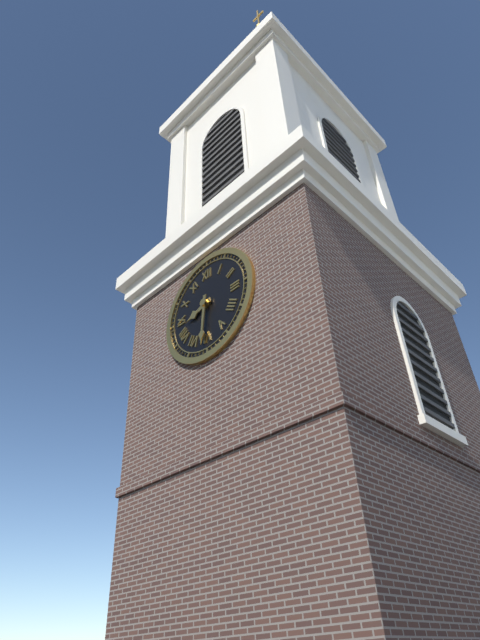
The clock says h=8 m=31
